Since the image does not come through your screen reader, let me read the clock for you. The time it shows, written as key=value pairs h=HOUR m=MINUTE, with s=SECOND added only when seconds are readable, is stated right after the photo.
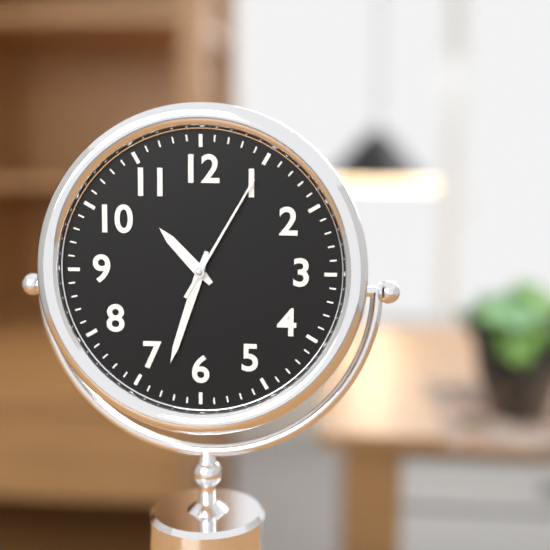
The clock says h=10 m=33 s=5
